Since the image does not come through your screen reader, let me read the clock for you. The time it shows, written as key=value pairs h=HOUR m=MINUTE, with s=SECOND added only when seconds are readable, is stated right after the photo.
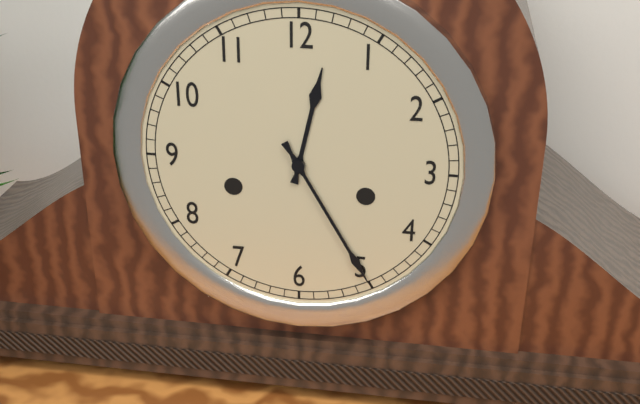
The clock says h=12 m=25
